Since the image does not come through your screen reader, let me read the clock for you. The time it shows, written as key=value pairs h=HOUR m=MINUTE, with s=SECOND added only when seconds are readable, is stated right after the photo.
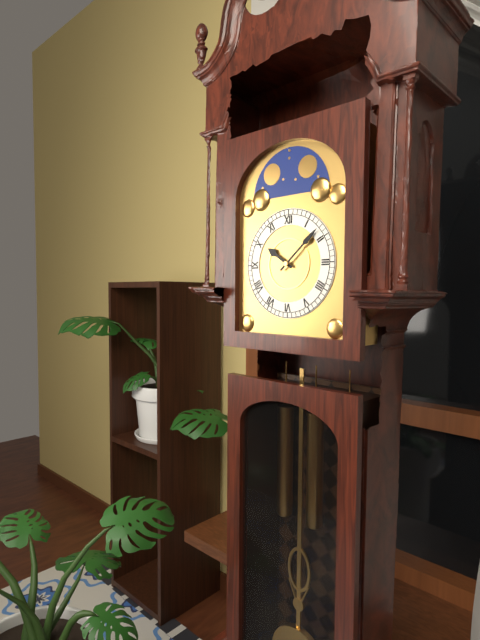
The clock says h=10 m=8
